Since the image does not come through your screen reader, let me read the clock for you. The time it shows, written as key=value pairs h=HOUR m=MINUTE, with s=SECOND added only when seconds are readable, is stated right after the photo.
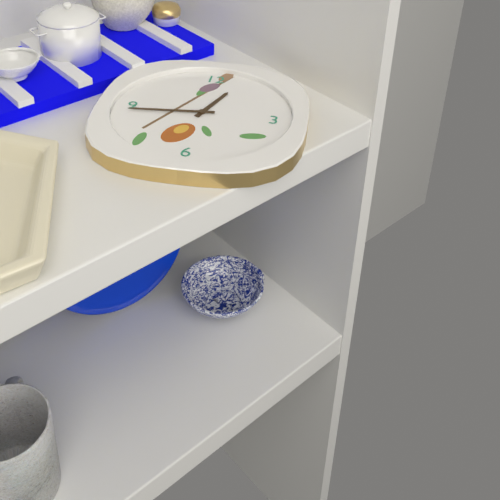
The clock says h=12 m=44
